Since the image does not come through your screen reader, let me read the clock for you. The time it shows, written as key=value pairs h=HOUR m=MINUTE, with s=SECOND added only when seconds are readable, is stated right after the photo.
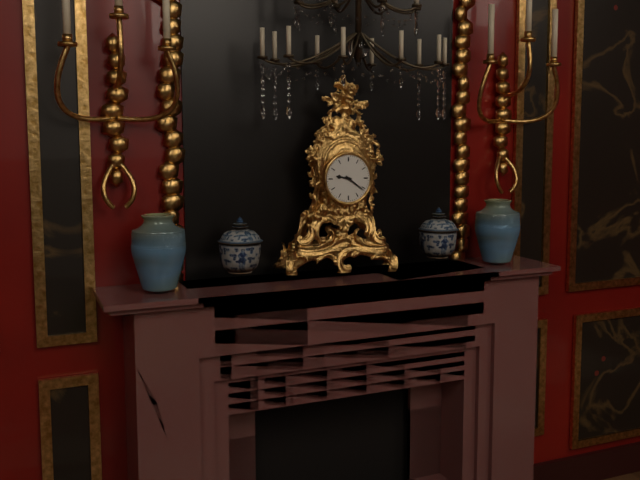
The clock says h=9 m=21
